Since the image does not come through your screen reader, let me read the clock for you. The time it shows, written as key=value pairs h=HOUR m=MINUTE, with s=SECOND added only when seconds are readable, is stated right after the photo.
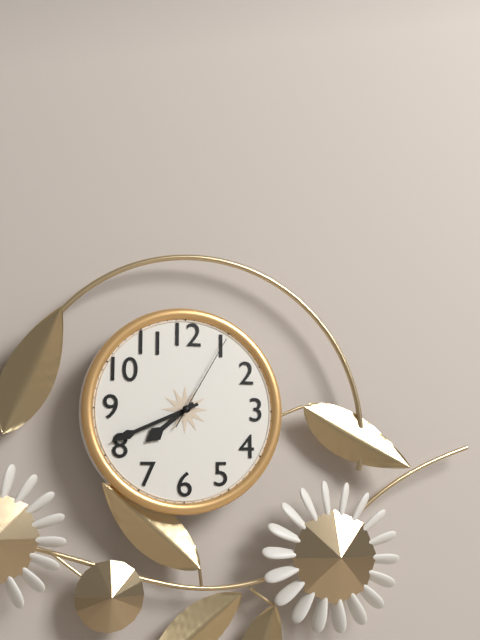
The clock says h=7 m=41 s=5
